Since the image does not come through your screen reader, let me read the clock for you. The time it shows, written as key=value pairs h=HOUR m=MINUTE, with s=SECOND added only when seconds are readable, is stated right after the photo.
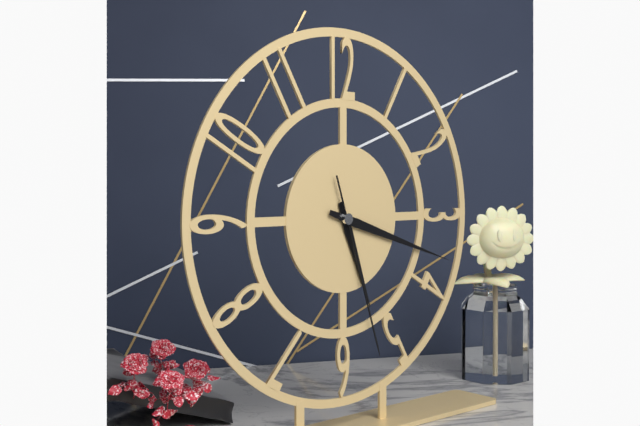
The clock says h=5 m=18 s=27
